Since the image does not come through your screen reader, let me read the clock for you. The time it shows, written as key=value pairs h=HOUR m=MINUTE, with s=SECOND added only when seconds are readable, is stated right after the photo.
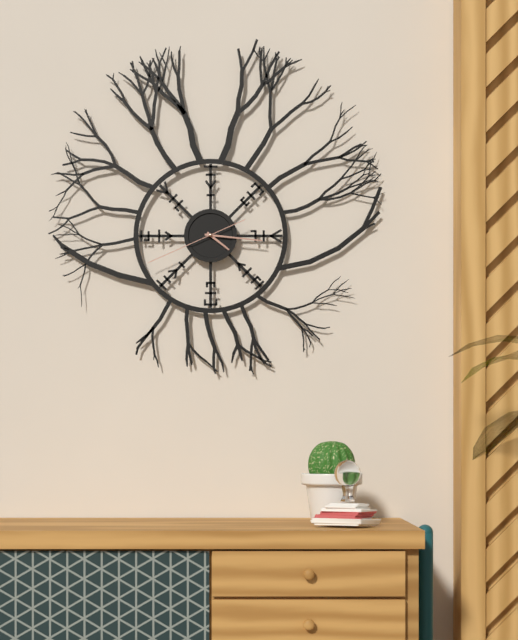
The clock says h=4 m=16 s=41
